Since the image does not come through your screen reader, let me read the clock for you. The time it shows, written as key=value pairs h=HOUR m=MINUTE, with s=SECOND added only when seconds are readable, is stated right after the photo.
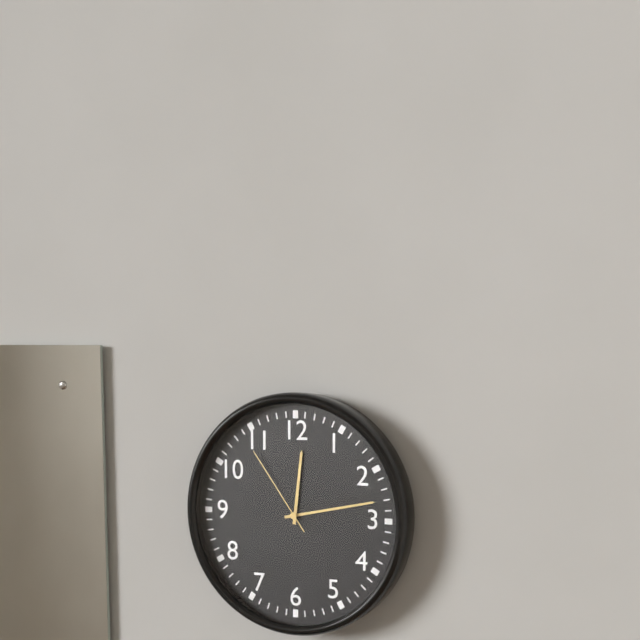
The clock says h=12 m=13 s=54
